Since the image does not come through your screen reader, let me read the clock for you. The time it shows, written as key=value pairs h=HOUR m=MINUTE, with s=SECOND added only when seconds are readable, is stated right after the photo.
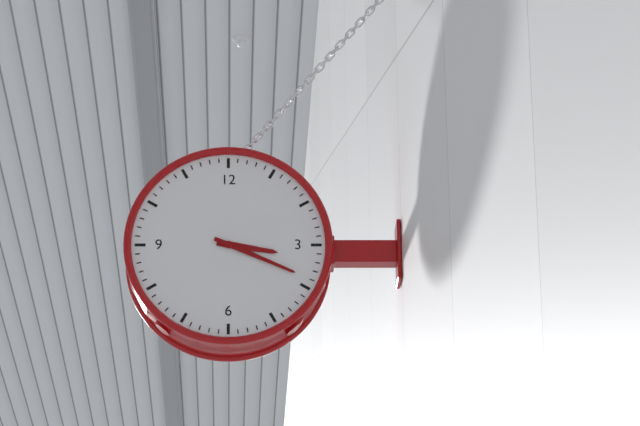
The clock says h=3 m=19
